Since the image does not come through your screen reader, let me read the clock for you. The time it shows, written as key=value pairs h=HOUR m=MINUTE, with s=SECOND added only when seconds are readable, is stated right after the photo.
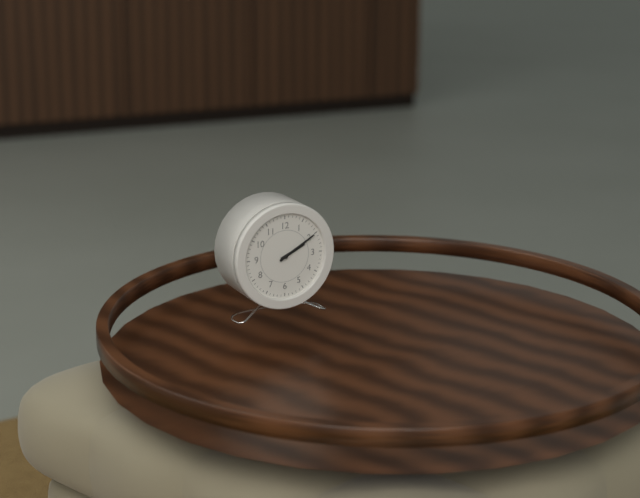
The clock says h=2 m=10
